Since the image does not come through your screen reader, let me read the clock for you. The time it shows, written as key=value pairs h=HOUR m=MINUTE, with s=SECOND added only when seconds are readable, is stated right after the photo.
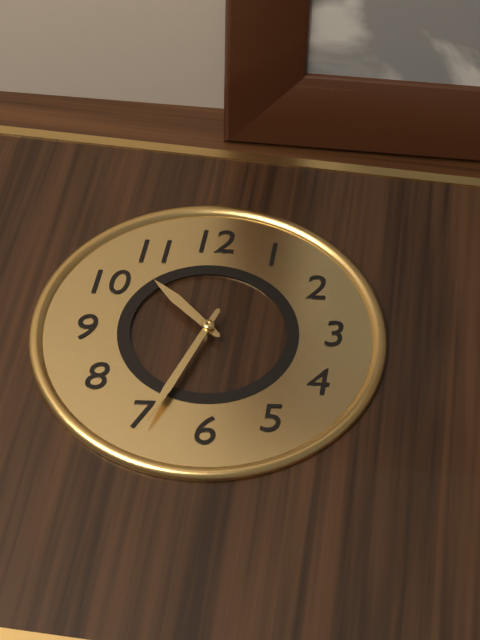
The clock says h=10 m=34
